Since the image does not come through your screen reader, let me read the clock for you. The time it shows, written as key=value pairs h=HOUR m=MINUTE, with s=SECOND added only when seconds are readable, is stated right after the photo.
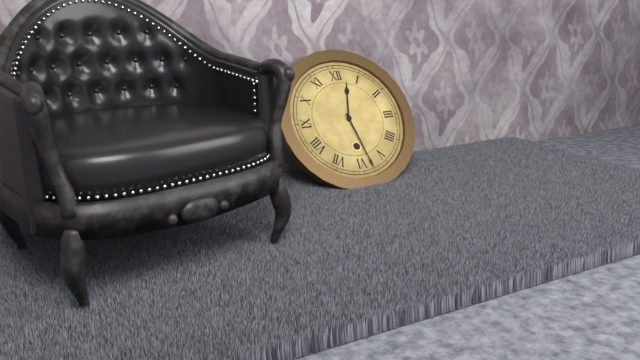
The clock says h=12 m=28
